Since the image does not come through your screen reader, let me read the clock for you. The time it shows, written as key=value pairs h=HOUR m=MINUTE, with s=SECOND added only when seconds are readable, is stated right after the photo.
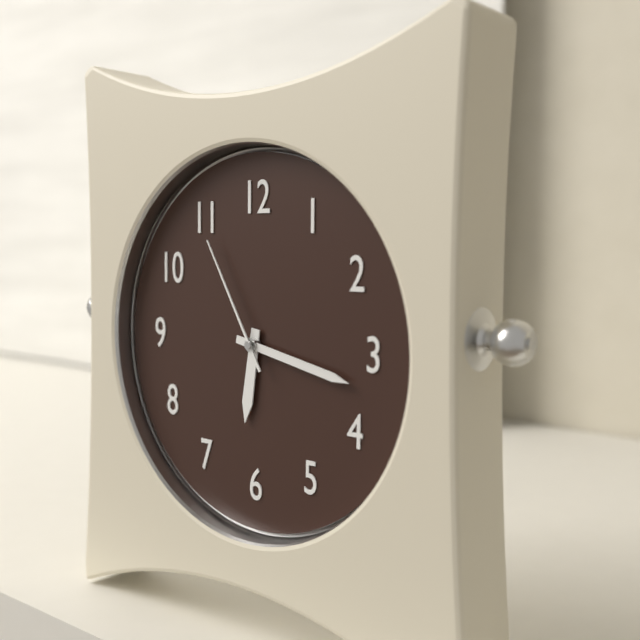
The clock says h=6 m=17 s=55
